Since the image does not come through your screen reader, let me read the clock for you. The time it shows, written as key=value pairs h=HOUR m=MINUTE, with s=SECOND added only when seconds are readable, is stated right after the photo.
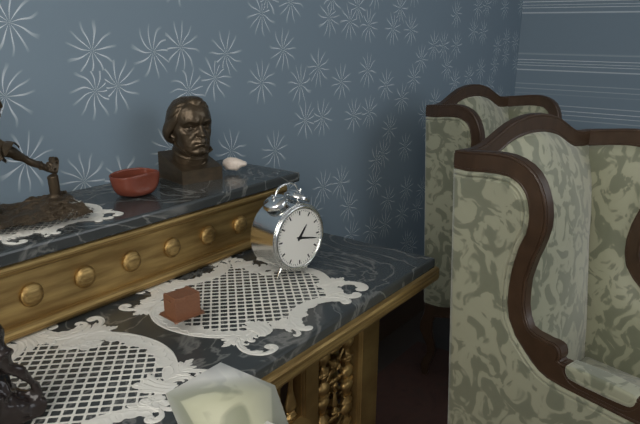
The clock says h=1 m=17
